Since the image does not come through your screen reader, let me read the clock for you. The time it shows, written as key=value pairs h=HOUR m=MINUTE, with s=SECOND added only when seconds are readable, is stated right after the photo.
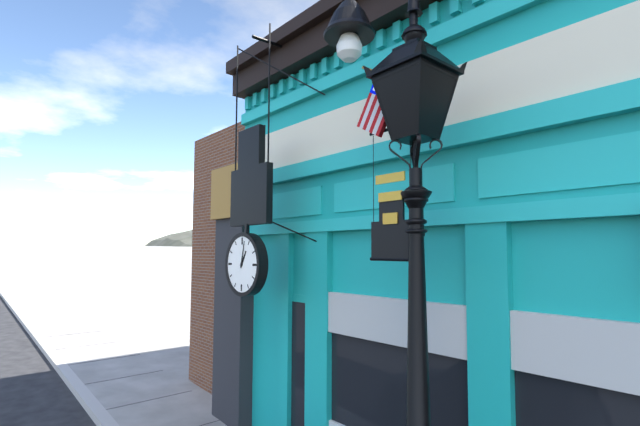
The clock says h=1 m=2
